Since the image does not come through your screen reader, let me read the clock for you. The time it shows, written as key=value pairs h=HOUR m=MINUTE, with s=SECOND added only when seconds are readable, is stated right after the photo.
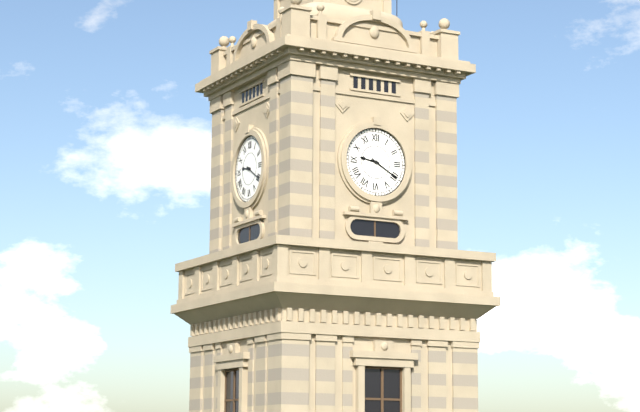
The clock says h=9 m=20
